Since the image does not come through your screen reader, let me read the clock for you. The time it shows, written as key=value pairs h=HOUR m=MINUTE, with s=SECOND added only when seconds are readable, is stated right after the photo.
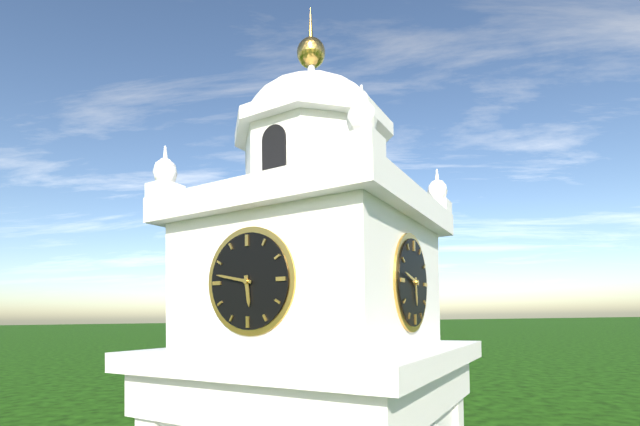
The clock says h=5 m=47
